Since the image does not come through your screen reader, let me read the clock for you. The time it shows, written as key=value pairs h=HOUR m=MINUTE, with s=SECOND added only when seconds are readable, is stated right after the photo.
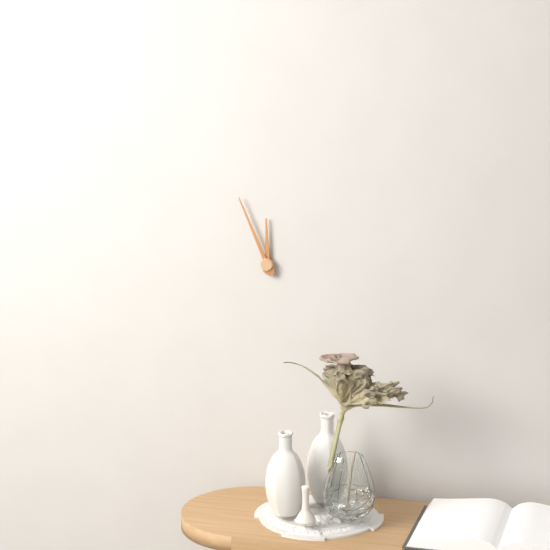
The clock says h=11 m=56
